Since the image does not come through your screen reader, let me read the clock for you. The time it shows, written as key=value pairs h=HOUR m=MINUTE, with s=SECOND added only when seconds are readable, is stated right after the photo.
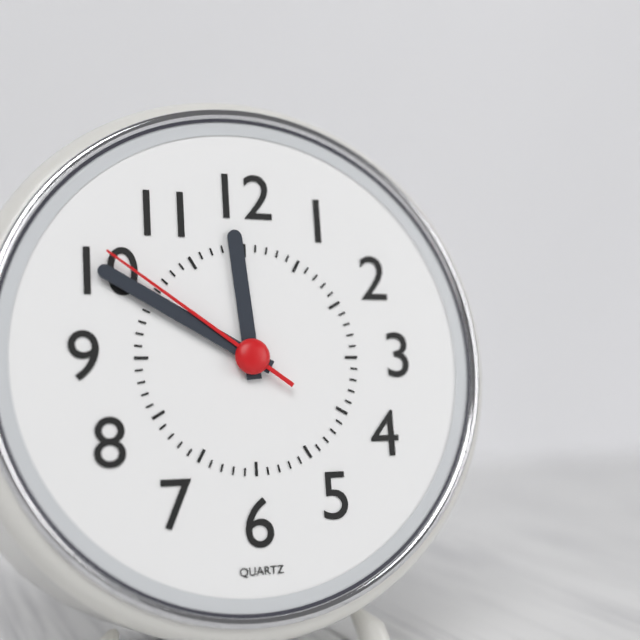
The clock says h=11 m=50 s=51
